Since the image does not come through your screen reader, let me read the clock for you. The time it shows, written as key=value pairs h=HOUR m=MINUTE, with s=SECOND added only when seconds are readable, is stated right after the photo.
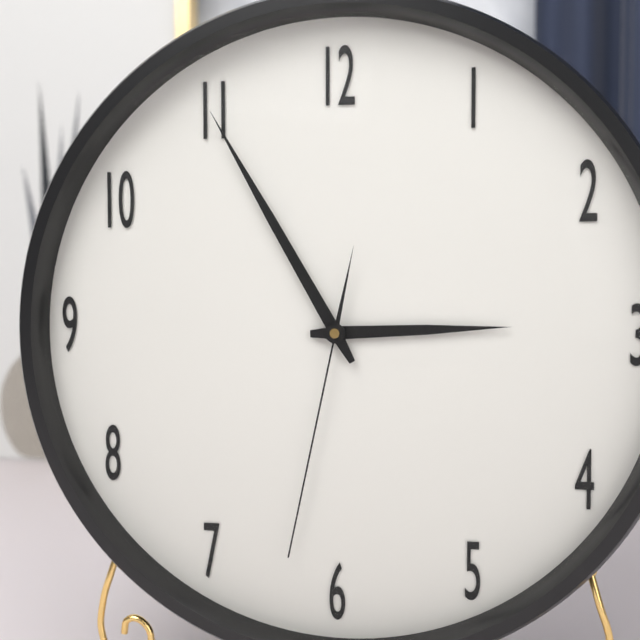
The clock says h=2 m=55 s=32
